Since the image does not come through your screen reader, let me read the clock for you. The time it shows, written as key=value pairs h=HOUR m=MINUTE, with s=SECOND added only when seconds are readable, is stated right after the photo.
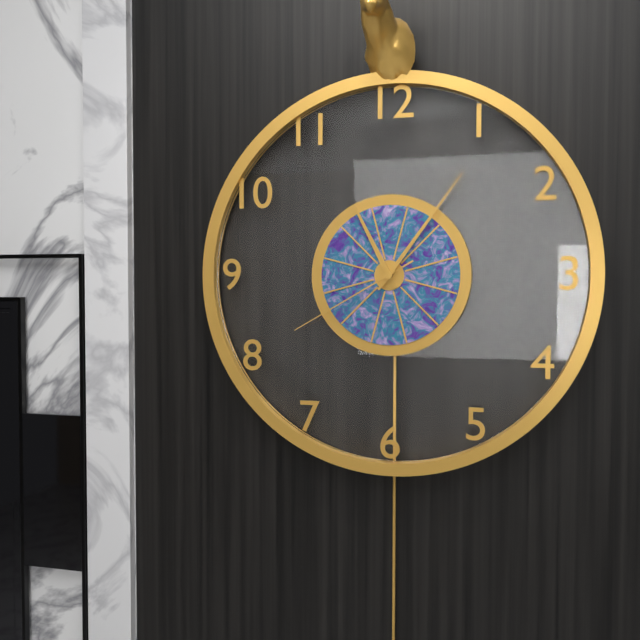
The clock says h=11 m=6 s=40
